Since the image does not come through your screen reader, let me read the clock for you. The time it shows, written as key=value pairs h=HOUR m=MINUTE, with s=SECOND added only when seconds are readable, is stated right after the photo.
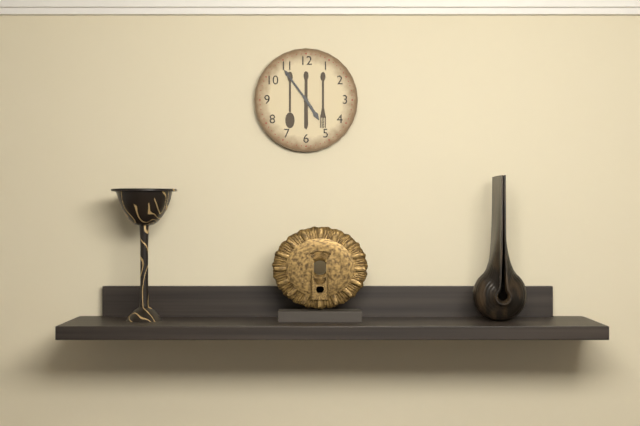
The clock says h=4 m=54
